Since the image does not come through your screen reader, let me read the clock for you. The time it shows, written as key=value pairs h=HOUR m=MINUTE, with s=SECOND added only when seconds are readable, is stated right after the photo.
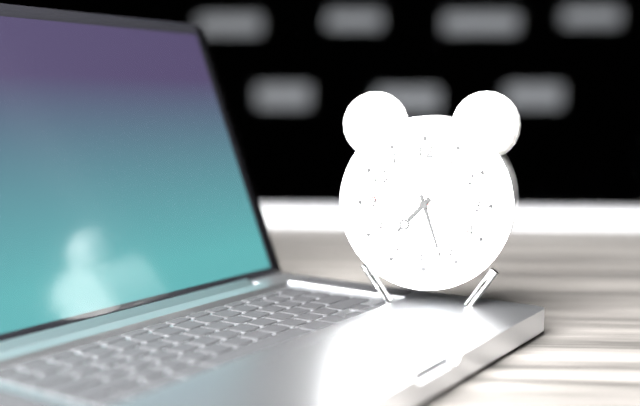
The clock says h=7 m=27 s=46
